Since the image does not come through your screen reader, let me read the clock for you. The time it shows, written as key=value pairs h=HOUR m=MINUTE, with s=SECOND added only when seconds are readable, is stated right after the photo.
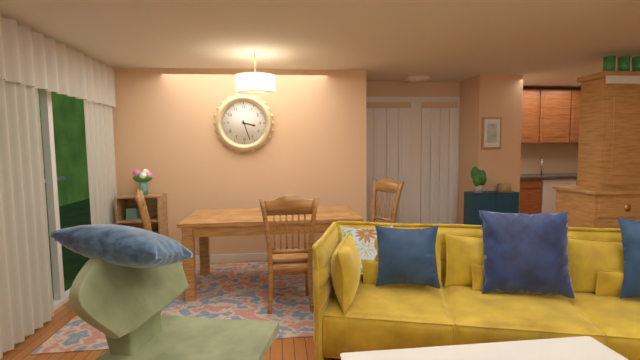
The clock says h=3 m=27
